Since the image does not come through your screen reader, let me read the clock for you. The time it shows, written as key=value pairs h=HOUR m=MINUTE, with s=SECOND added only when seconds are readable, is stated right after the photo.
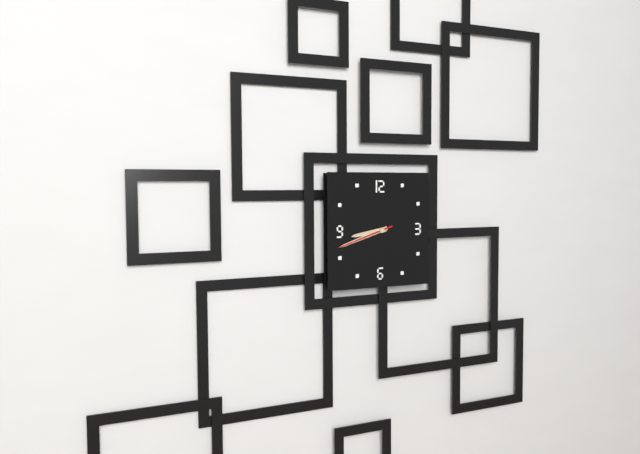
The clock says h=8 m=42 s=42
